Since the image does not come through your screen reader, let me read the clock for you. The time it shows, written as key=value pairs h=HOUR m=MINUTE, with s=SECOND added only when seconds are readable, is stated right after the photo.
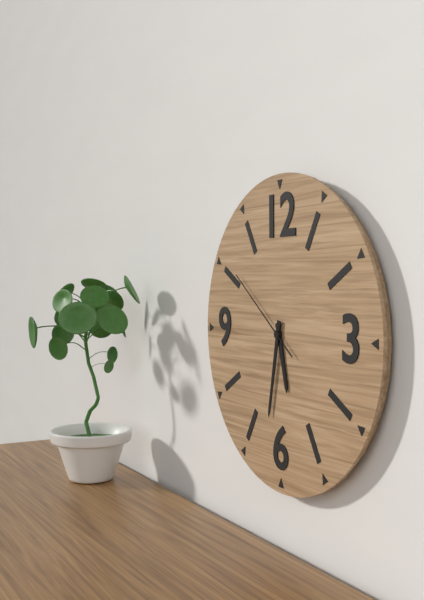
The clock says h=5 m=32 s=51
